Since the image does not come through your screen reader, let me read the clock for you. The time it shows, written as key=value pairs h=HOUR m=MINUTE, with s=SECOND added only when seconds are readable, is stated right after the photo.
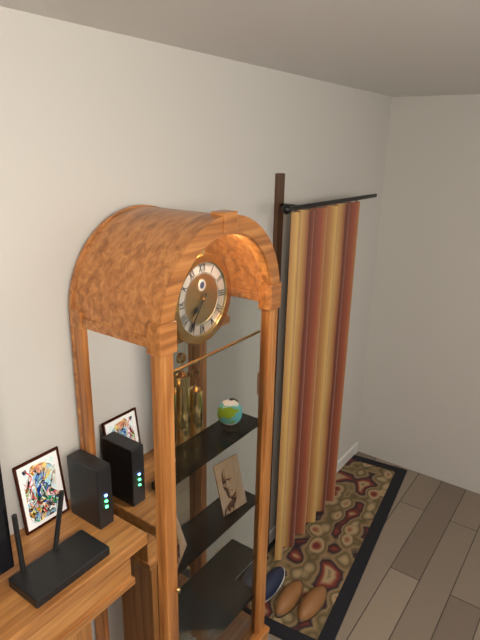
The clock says h=7 m=36
